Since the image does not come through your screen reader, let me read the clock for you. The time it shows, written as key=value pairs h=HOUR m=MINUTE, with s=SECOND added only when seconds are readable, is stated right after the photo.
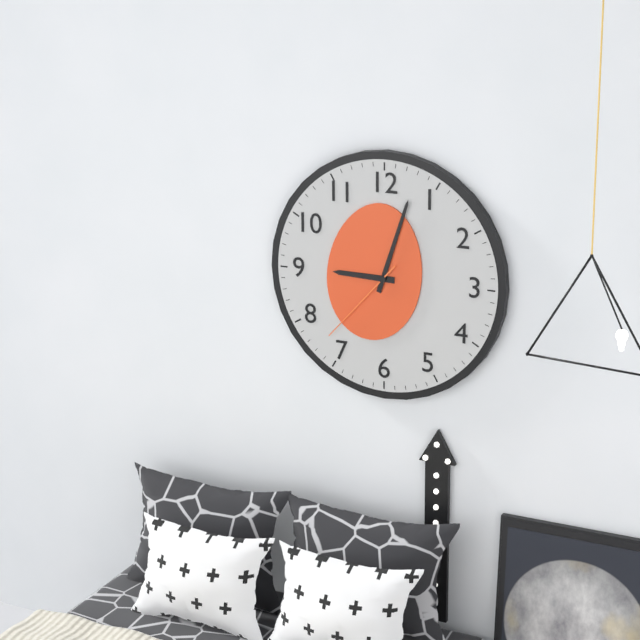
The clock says h=9 m=3 s=37
